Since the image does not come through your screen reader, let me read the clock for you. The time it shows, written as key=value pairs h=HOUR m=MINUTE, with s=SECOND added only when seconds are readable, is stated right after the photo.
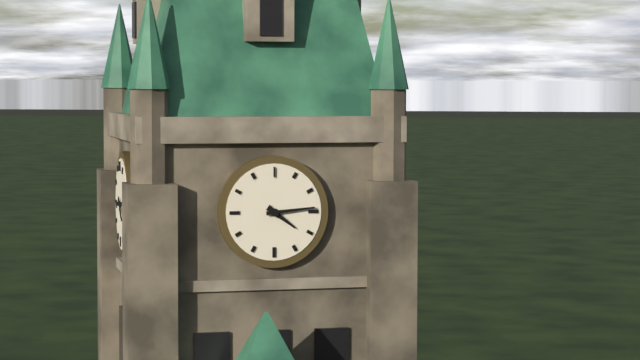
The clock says h=4 m=14
